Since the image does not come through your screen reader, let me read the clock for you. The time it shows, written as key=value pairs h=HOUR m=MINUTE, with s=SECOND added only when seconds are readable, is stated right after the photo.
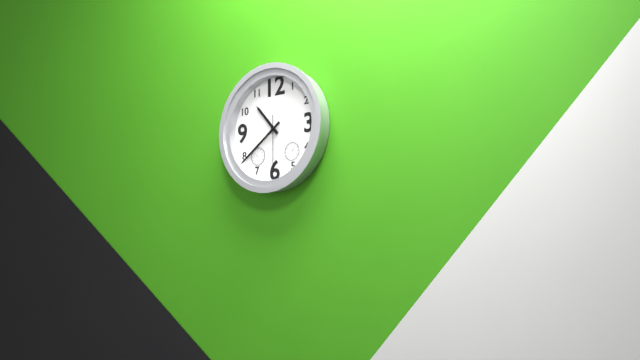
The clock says h=10 m=39 s=30
